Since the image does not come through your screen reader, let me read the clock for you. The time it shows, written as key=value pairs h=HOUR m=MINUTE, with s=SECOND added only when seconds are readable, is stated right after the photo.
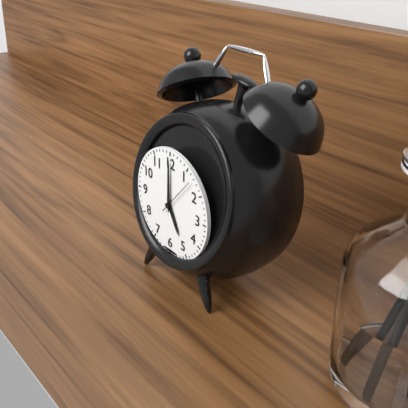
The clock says h=5 m=0
